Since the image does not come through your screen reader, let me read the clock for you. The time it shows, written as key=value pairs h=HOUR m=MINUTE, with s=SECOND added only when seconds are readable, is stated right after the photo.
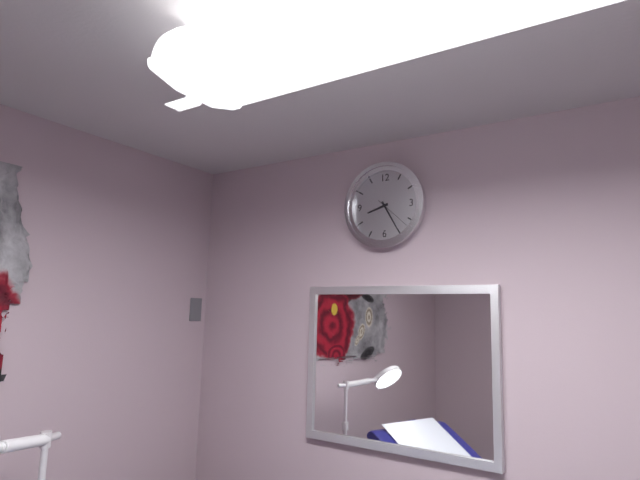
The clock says h=8 m=25
